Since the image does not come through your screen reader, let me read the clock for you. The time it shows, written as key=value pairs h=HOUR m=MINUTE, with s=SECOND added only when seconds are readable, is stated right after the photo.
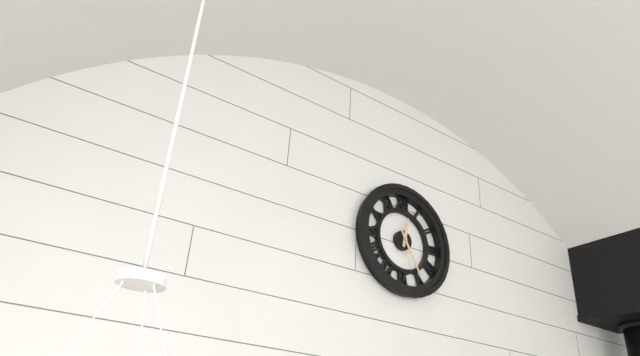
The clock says h=12 m=25
